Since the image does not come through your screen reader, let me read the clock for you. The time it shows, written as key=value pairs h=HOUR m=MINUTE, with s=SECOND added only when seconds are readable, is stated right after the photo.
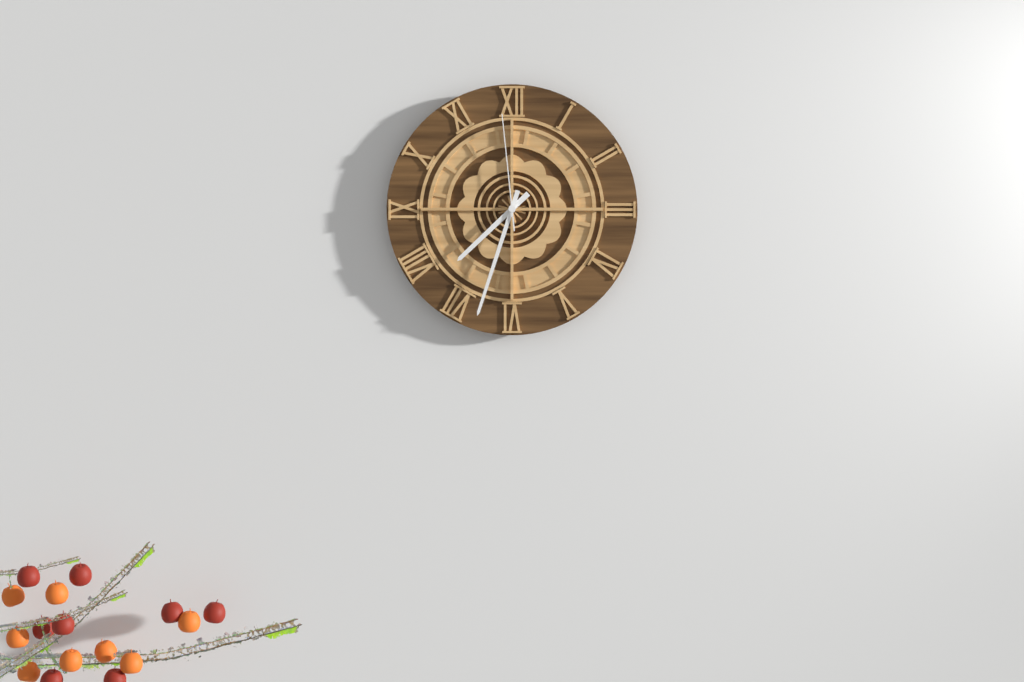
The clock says h=7 m=33 s=59
